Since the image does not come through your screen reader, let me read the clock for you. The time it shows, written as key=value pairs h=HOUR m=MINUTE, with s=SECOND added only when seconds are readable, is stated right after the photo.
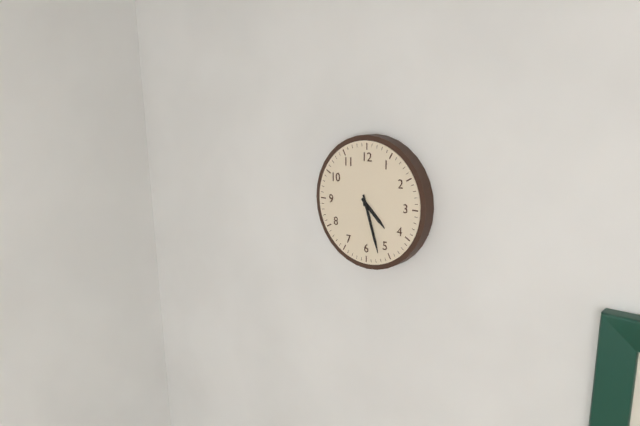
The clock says h=4 m=27
